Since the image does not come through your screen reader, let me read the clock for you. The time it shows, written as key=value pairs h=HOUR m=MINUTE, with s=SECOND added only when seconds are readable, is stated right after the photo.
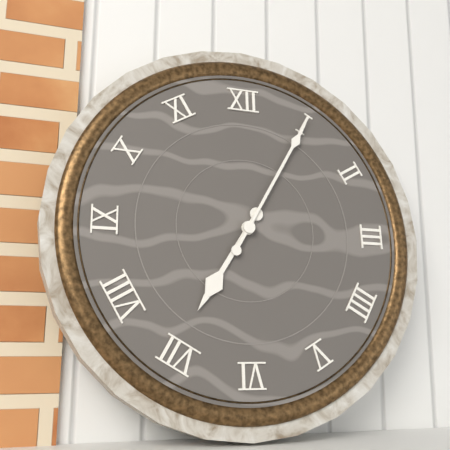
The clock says h=7 m=5
